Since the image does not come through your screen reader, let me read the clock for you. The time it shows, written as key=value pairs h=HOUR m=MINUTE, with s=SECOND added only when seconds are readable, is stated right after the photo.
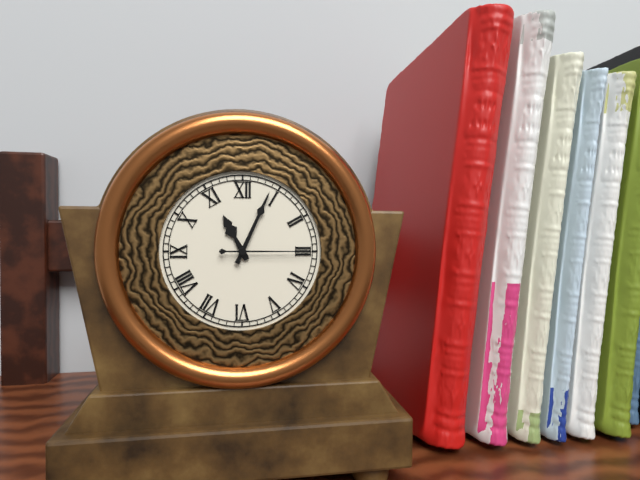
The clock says h=11 m=4 s=15
